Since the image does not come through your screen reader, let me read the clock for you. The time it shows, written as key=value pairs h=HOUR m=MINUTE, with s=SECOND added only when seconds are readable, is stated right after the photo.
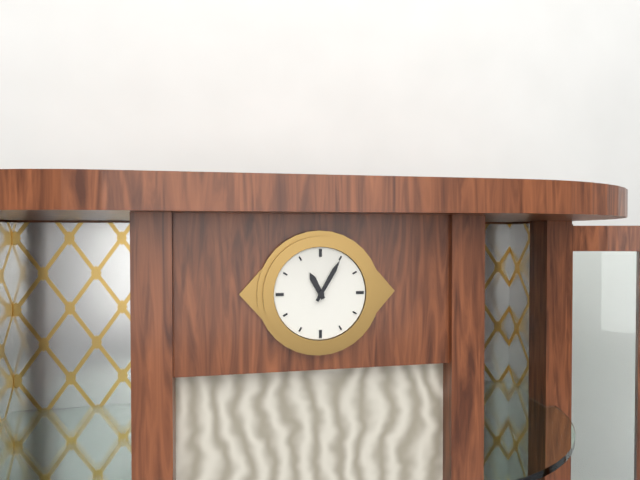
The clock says h=11 m=5
